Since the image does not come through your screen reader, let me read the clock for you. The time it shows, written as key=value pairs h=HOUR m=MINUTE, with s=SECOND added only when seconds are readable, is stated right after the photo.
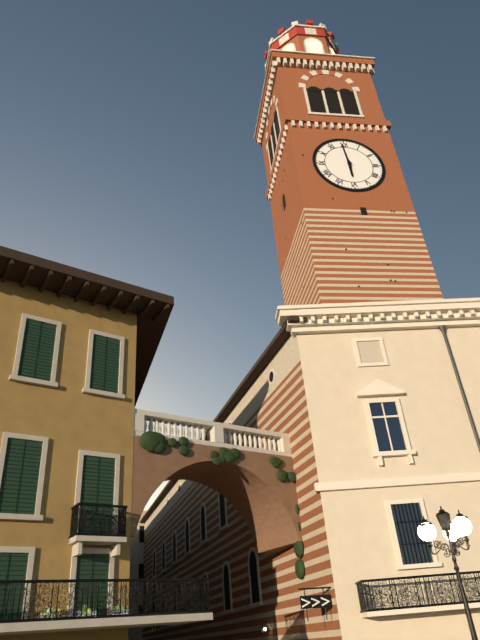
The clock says h=5 m=59
